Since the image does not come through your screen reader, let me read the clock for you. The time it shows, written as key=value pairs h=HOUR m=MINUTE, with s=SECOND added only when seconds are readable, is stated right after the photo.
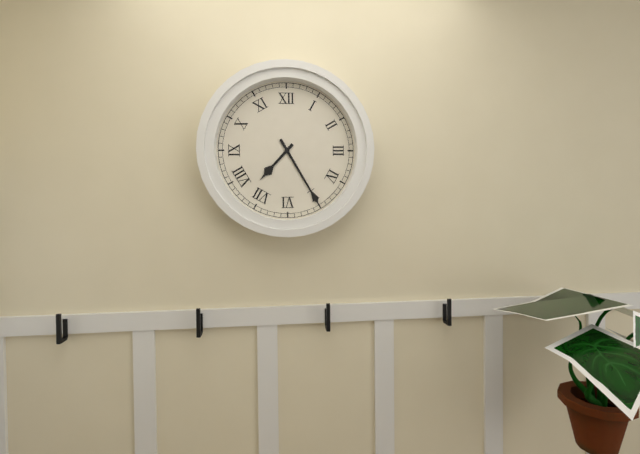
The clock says h=7 m=25
